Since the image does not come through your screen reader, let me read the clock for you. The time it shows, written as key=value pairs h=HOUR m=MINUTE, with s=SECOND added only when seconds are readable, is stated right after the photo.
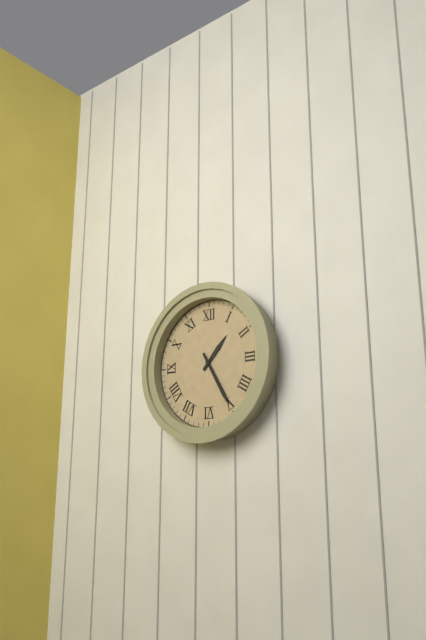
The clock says h=1 m=25
